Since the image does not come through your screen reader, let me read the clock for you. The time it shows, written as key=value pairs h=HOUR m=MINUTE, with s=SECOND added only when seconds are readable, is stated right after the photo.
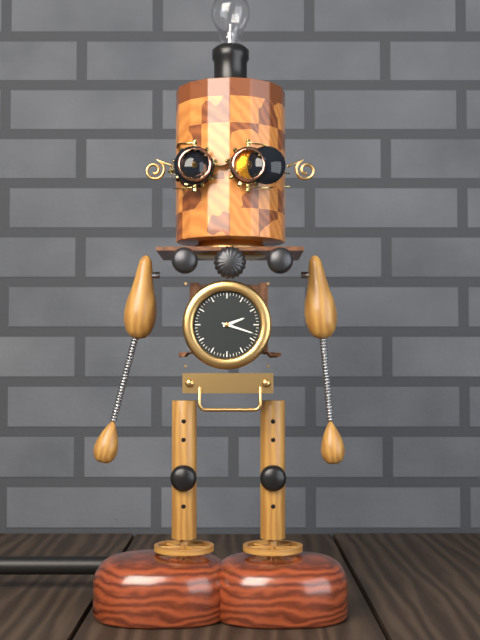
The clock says h=2 m=18
